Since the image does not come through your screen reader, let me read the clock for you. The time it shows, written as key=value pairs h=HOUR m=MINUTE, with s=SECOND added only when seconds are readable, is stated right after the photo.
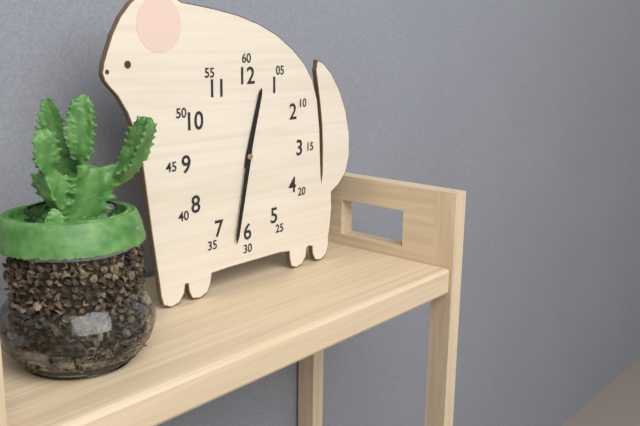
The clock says h=12 m=32
